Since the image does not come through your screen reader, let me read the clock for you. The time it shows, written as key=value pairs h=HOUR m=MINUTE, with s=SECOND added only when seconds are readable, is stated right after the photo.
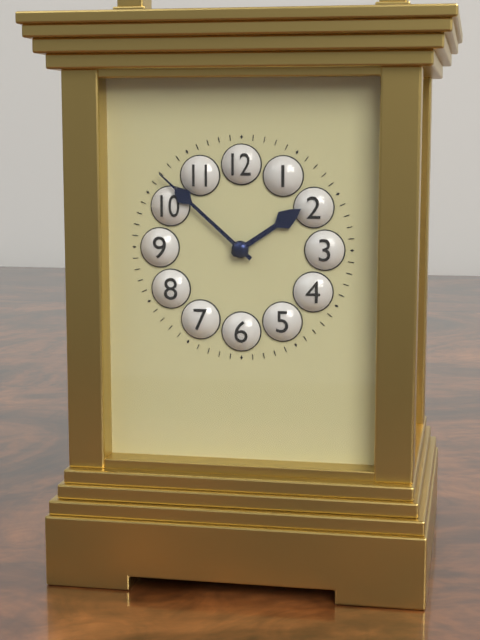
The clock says h=1 m=52
